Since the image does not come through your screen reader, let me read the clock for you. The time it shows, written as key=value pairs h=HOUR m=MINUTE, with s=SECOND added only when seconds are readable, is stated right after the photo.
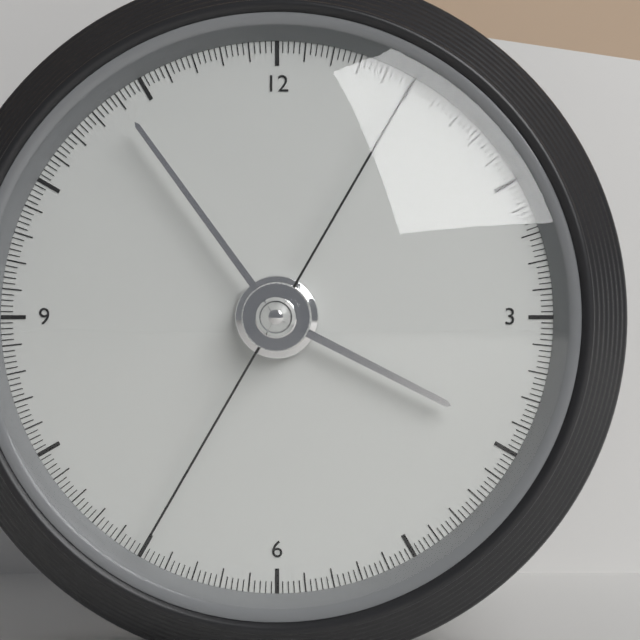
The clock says h=3 m=54 s=5
